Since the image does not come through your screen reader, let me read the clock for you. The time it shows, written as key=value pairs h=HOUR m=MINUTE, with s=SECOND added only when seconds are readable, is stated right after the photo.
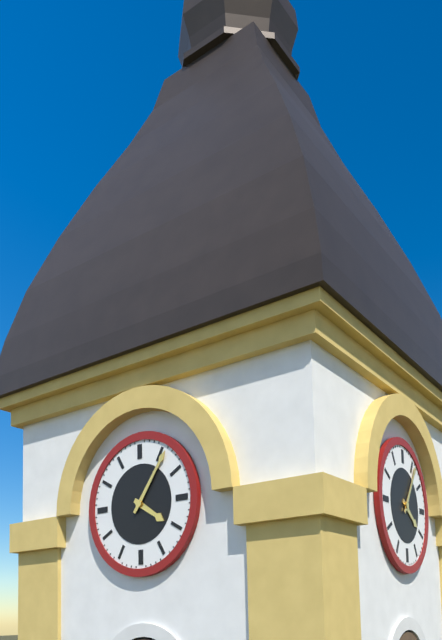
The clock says h=4 m=6
